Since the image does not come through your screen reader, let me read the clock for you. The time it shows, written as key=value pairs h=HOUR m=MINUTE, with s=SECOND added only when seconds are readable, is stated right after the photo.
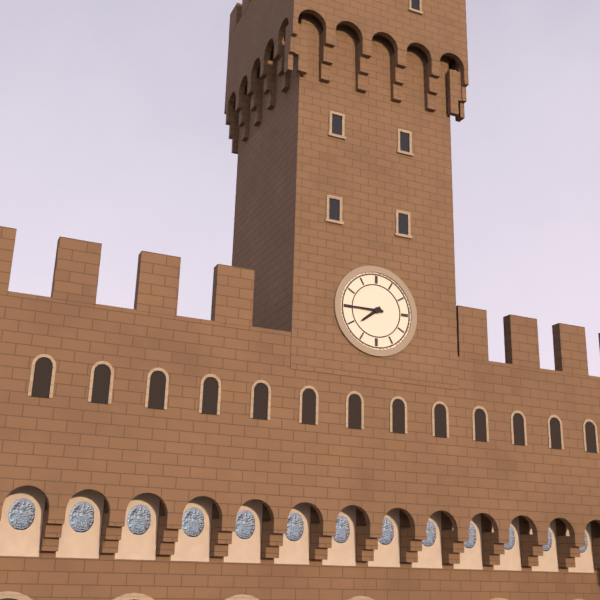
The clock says h=7 m=45
